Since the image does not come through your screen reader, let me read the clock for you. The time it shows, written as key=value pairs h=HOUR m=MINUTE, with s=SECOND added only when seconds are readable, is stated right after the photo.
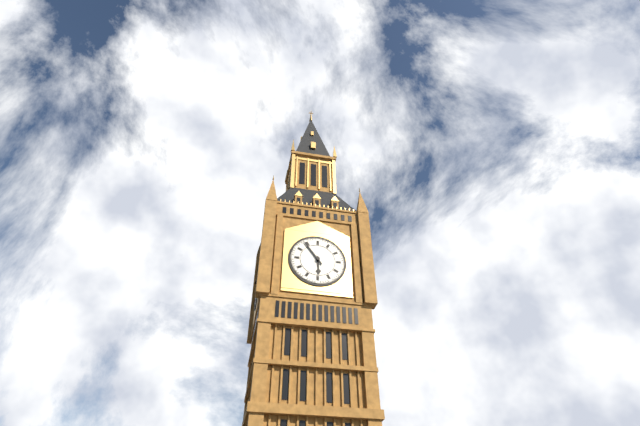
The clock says h=5 m=54
